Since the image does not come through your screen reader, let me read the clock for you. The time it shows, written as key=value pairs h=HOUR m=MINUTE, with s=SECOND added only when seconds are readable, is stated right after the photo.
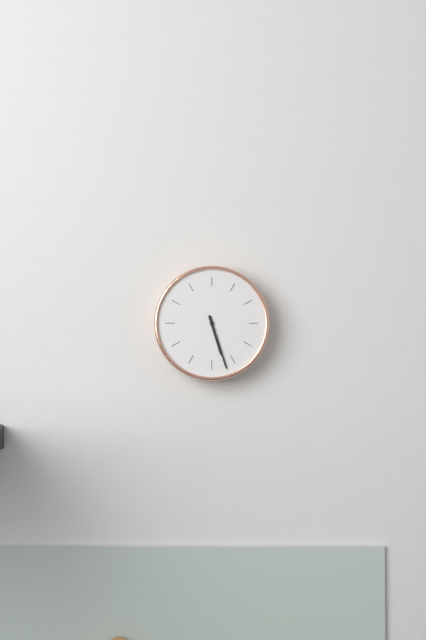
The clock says h=5 m=27
